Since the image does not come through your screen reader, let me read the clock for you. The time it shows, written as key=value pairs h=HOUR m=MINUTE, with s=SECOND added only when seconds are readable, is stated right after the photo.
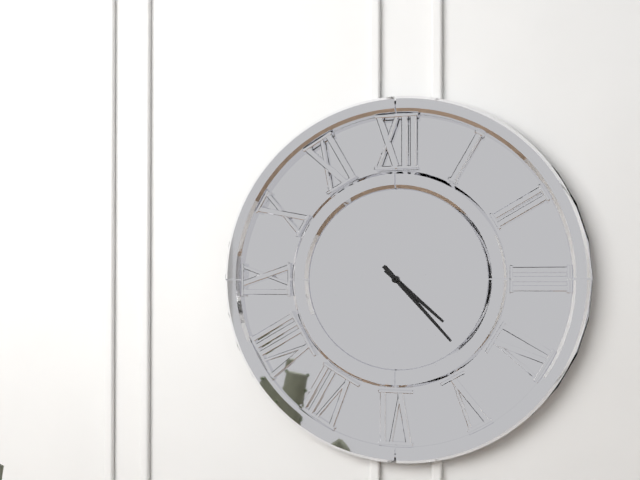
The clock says h=4 m=23
